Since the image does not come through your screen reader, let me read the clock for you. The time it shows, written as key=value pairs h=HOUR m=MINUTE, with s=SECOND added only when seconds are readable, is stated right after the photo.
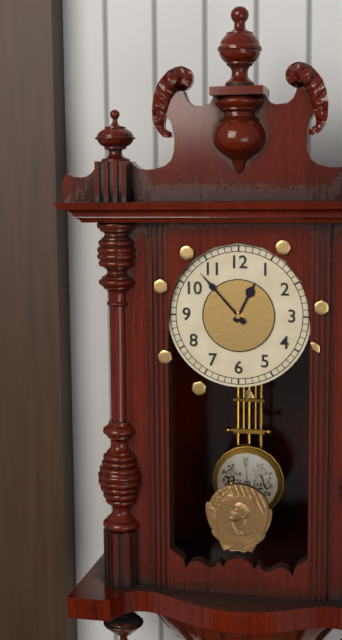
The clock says h=12 m=53
